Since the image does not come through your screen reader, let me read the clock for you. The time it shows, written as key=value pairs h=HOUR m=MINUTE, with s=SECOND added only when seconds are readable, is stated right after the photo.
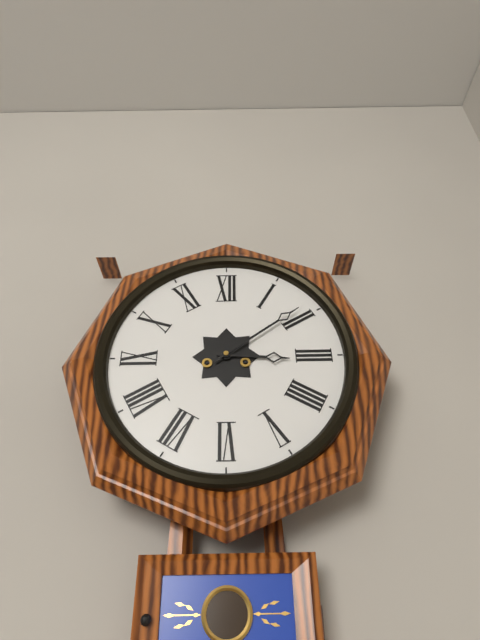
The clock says h=3 m=9
